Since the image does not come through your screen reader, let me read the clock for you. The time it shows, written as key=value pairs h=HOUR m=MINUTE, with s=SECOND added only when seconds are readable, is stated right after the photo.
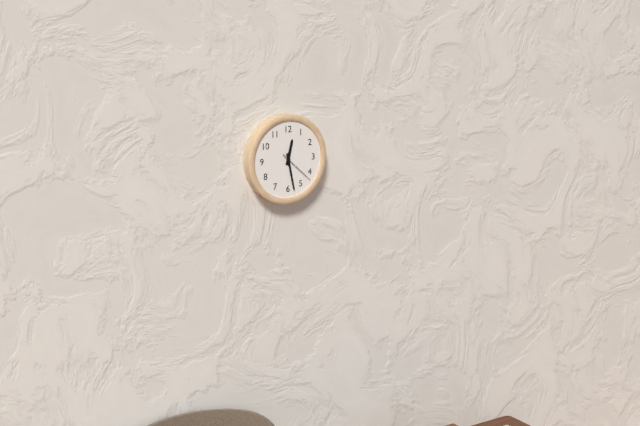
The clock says h=12 m=28
